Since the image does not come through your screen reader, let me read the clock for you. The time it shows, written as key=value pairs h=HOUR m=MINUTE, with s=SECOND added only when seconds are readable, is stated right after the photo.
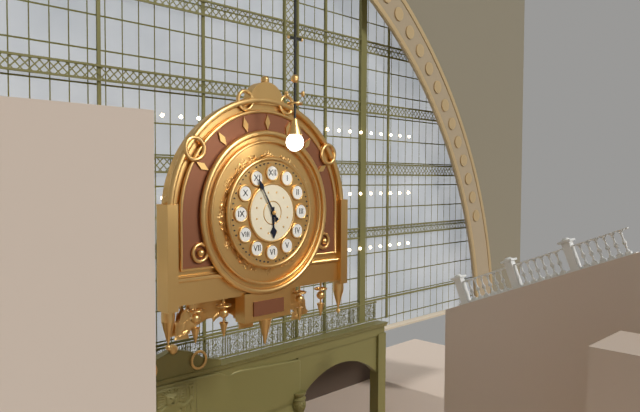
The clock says h=5 m=55
